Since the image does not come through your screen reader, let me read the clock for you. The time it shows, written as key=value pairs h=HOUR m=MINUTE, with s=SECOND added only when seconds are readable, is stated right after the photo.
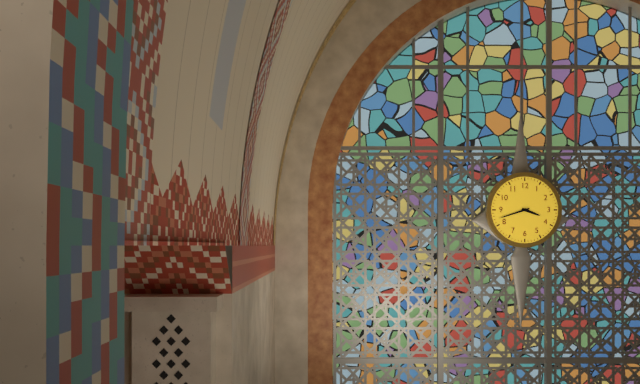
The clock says h=3 m=42
